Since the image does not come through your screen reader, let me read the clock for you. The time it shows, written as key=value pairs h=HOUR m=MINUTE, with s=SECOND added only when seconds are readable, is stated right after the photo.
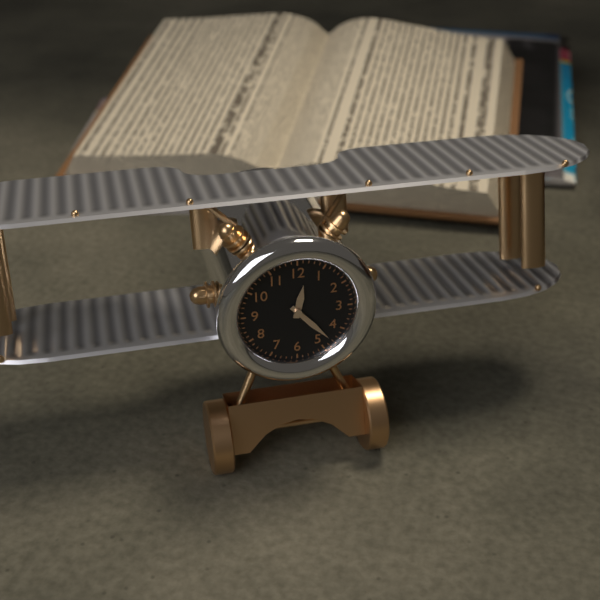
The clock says h=12 m=23
